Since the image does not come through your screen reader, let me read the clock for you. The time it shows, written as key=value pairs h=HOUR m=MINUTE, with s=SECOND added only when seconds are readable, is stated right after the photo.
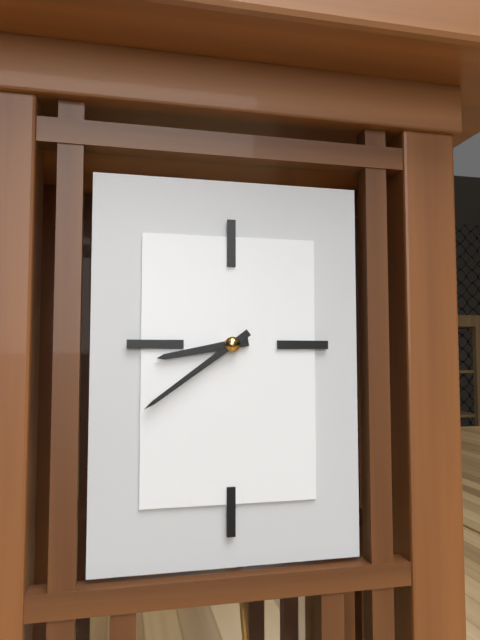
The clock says h=8 m=39
